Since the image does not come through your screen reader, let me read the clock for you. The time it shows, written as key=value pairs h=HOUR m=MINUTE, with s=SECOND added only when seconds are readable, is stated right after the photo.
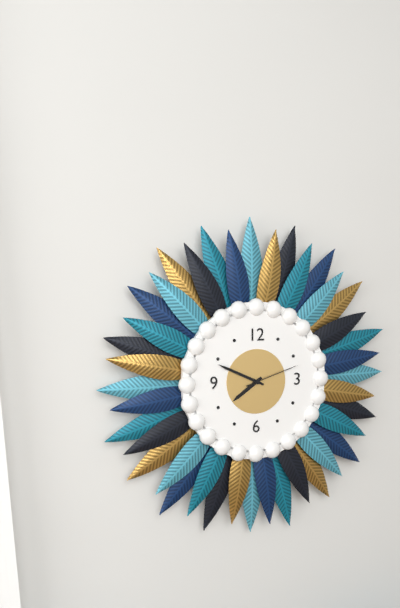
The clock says h=7 m=49 s=12
